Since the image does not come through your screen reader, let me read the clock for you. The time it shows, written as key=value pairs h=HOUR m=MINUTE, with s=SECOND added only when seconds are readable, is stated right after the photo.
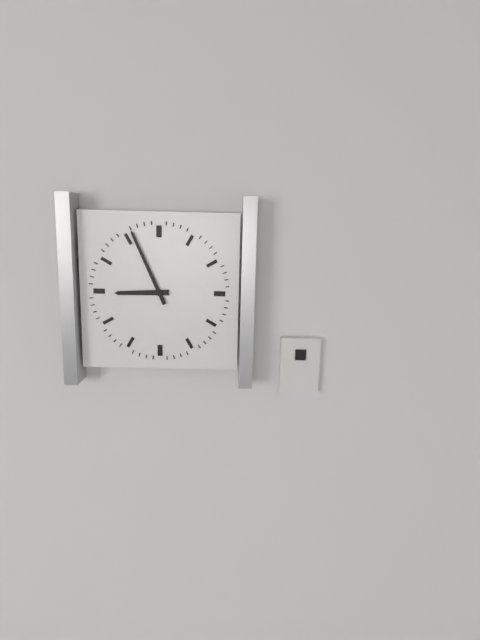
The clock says h=8 m=56
